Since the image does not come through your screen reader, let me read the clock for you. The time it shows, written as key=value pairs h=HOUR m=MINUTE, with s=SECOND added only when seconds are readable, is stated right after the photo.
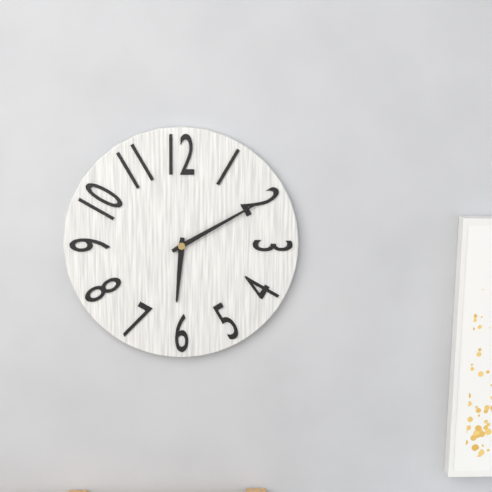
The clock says h=6 m=10
